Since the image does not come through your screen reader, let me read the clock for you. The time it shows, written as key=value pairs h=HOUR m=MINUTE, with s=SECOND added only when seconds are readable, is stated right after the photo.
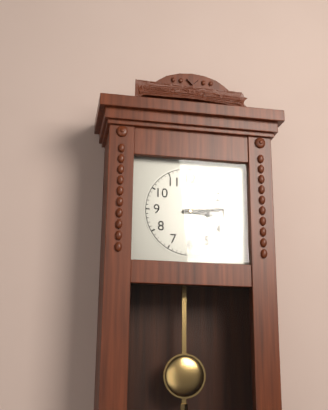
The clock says h=3 m=14
